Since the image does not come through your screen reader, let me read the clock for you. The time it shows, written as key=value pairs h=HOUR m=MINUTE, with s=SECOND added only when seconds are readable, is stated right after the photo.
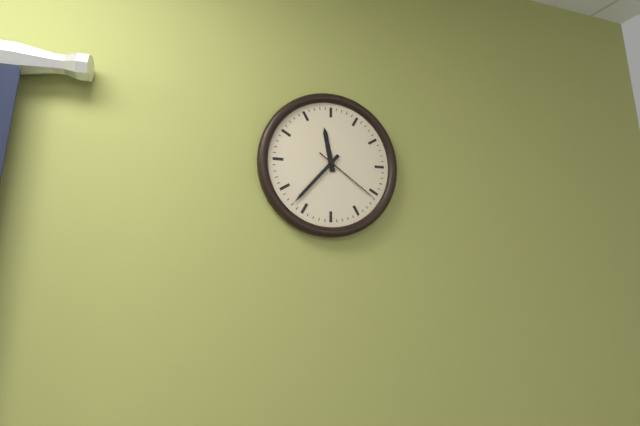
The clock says h=11 m=37 s=21
